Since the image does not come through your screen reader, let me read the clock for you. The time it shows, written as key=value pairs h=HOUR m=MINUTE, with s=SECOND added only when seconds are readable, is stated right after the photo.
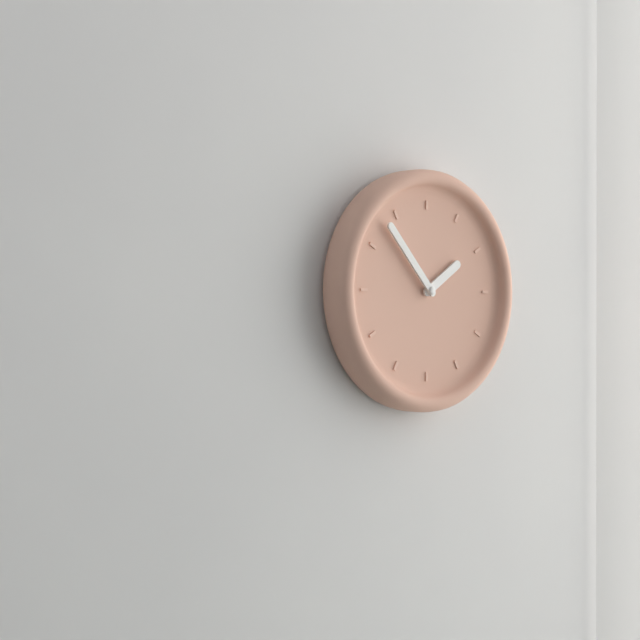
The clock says h=1 m=53
